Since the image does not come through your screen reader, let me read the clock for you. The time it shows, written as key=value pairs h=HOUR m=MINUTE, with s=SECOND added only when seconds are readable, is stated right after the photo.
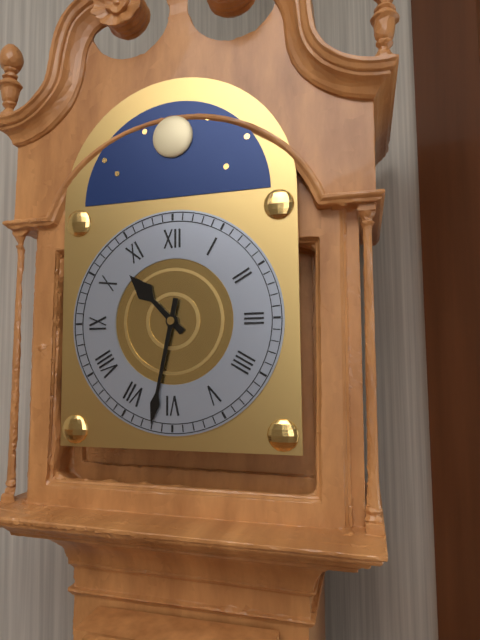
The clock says h=10 m=32
